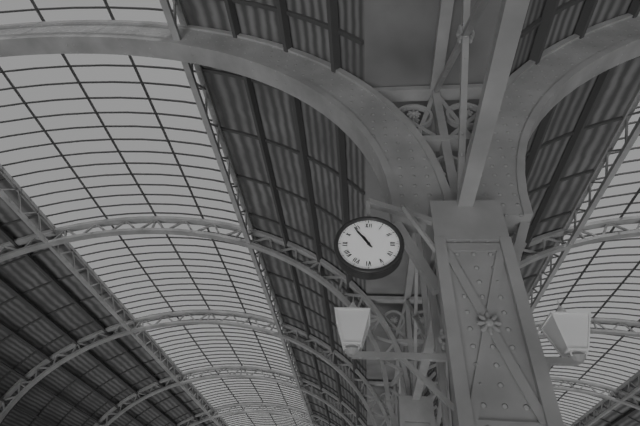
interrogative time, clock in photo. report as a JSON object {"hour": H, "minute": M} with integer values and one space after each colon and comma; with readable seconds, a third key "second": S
{"hour": 10, "minute": 54}
